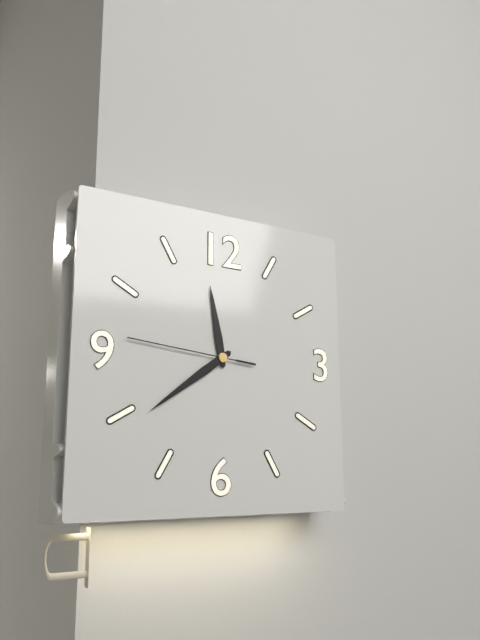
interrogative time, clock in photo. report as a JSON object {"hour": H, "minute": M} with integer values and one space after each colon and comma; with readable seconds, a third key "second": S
{"hour": 11, "minute": 39, "second": 46}
